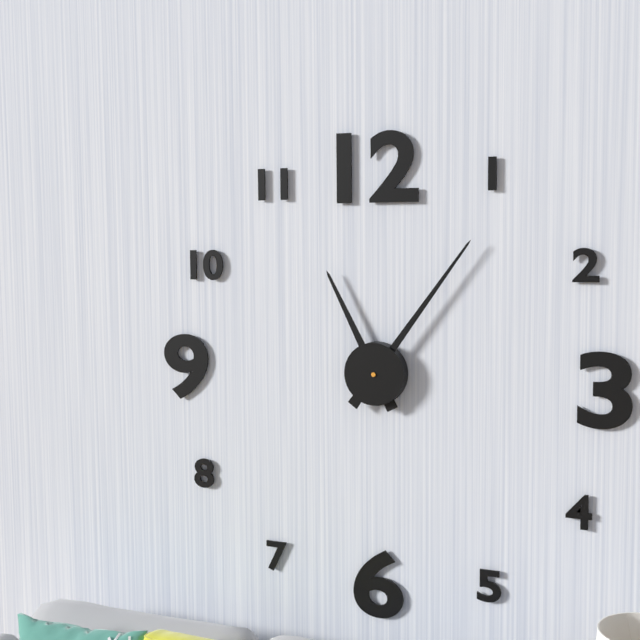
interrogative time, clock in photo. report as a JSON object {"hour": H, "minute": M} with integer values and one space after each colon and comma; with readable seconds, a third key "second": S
{"hour": 11, "minute": 6}
